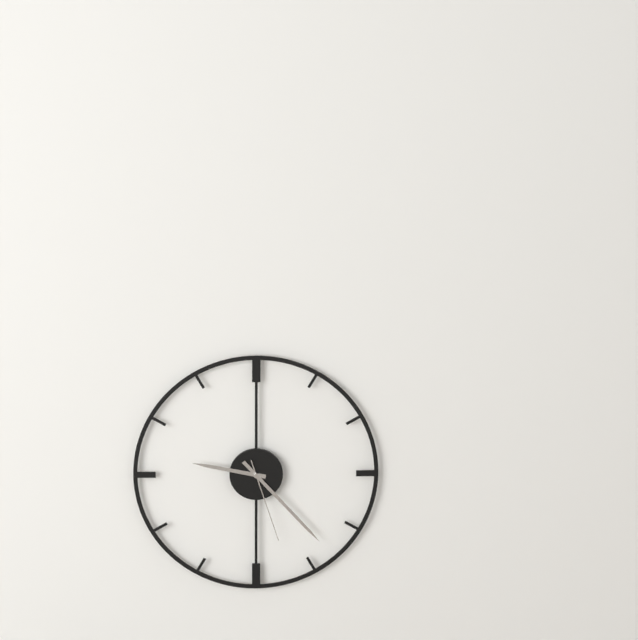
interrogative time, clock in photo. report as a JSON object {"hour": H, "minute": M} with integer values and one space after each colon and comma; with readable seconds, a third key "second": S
{"hour": 9, "minute": 23, "second": 27}
